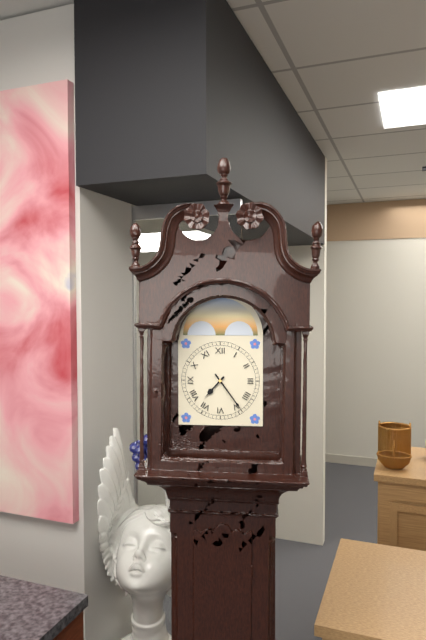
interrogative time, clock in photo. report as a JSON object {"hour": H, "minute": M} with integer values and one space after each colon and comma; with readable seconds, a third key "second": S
{"hour": 7, "minute": 24}
